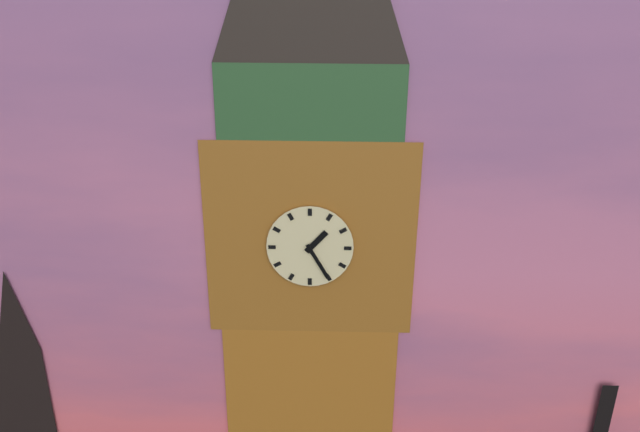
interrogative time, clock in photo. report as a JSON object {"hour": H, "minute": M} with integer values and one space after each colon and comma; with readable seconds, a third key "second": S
{"hour": 1, "minute": 25}
